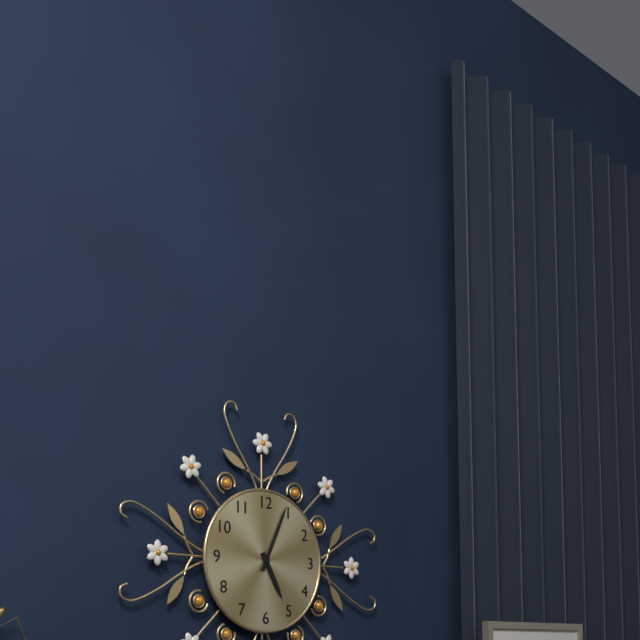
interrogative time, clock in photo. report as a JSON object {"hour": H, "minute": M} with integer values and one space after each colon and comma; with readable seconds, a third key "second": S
{"hour": 5, "minute": 4}
